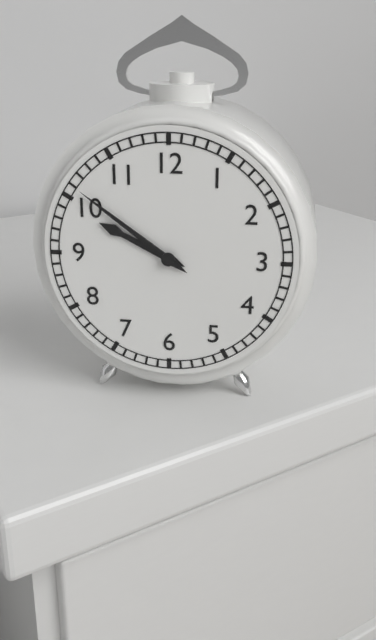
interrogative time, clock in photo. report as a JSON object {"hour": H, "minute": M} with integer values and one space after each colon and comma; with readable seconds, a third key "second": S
{"hour": 9, "minute": 51}
